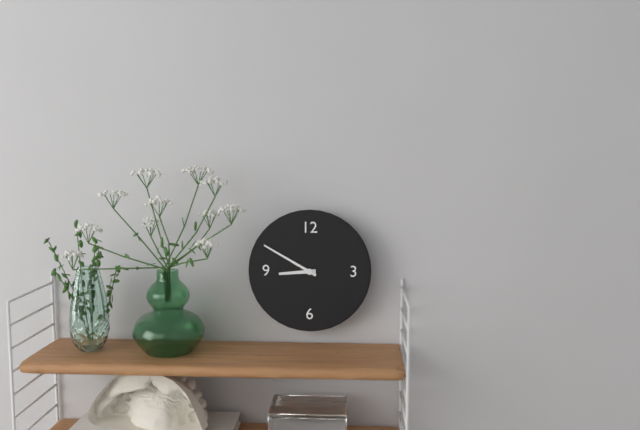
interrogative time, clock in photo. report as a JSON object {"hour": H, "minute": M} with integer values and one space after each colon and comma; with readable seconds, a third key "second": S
{"hour": 8, "minute": 50}
